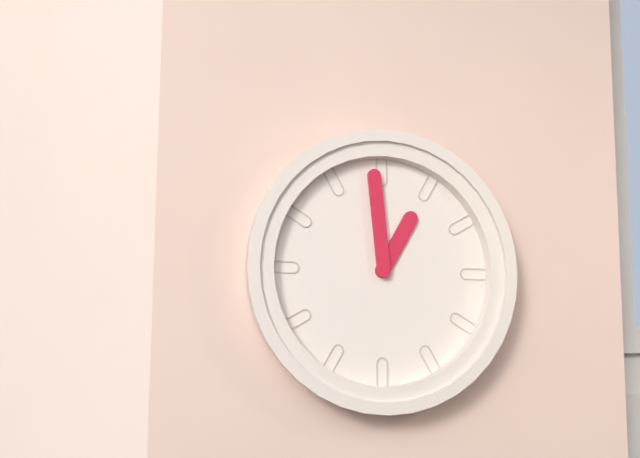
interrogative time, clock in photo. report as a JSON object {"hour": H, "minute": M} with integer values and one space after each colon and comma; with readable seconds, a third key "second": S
{"hour": 12, "minute": 59}
